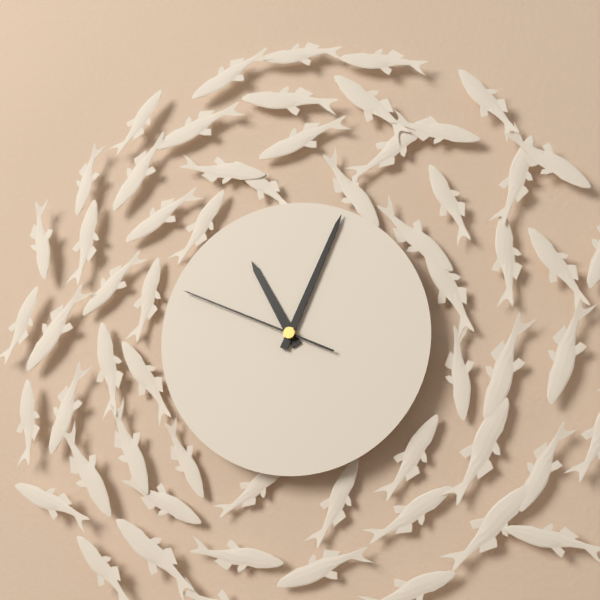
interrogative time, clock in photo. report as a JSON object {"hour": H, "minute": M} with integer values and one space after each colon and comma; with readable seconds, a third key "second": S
{"hour": 11, "minute": 4, "second": 49}
